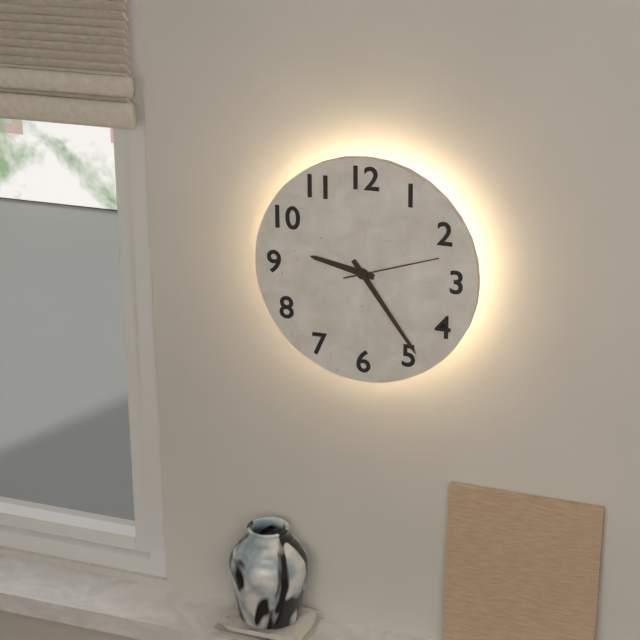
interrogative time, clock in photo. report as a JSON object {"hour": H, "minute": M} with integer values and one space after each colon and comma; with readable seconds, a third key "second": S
{"hour": 9, "minute": 24, "second": 12}
